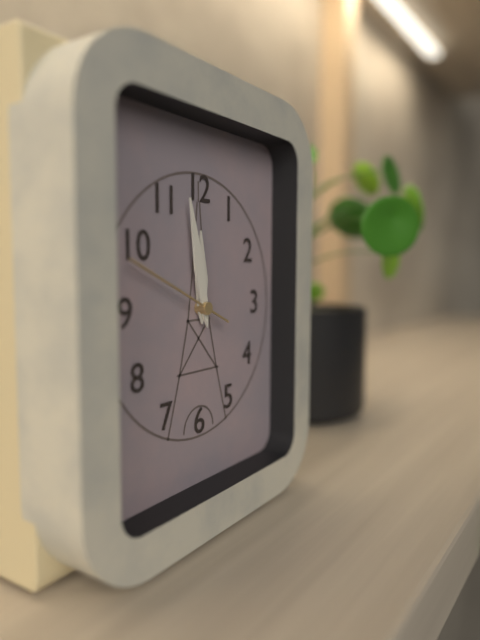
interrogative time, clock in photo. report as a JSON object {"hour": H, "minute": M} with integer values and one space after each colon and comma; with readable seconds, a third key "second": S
{"hour": 11, "minute": 58, "second": 49}
